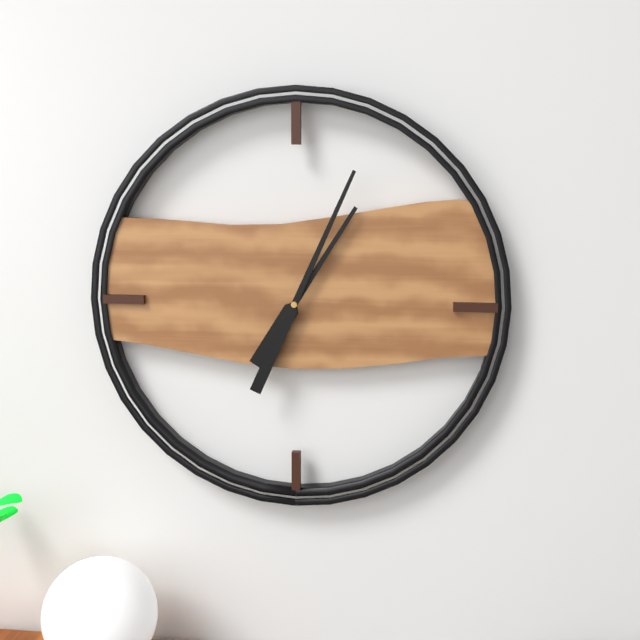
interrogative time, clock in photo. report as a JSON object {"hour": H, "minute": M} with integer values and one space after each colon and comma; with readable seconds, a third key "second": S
{"hour": 1, "minute": 4}
